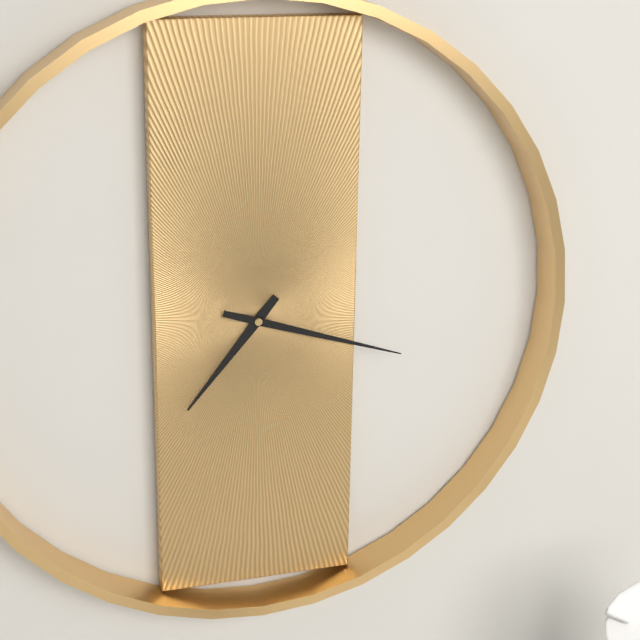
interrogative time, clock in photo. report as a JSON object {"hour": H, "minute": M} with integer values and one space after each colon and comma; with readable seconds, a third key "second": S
{"hour": 7, "minute": 18}
